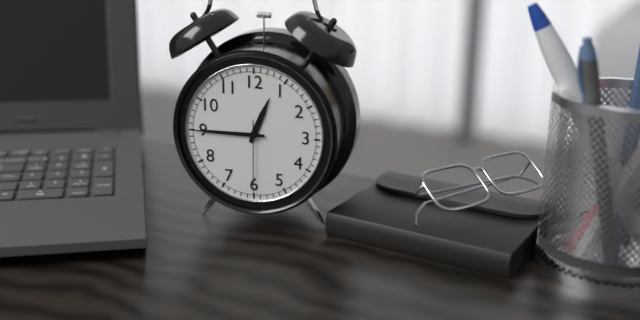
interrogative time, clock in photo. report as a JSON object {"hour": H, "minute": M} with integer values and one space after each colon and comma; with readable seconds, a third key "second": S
{"hour": 12, "minute": 45, "second": 30}
